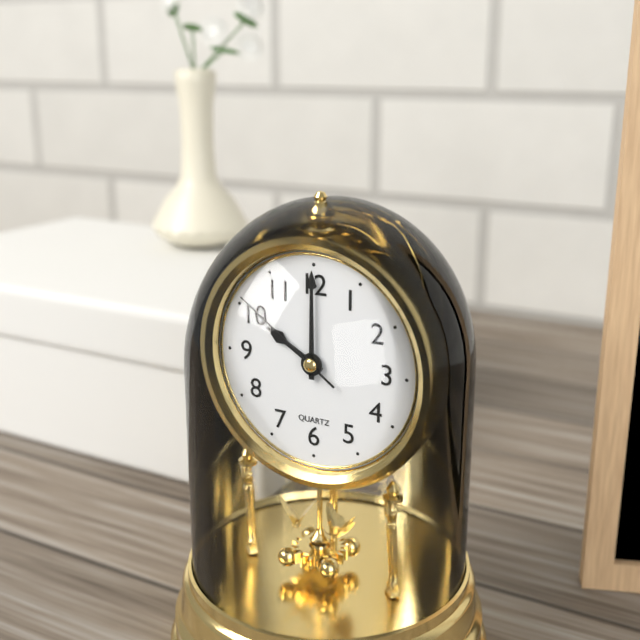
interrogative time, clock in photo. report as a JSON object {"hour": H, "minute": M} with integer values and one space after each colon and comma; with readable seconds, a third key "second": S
{"hour": 10, "minute": 0, "second": 51}
